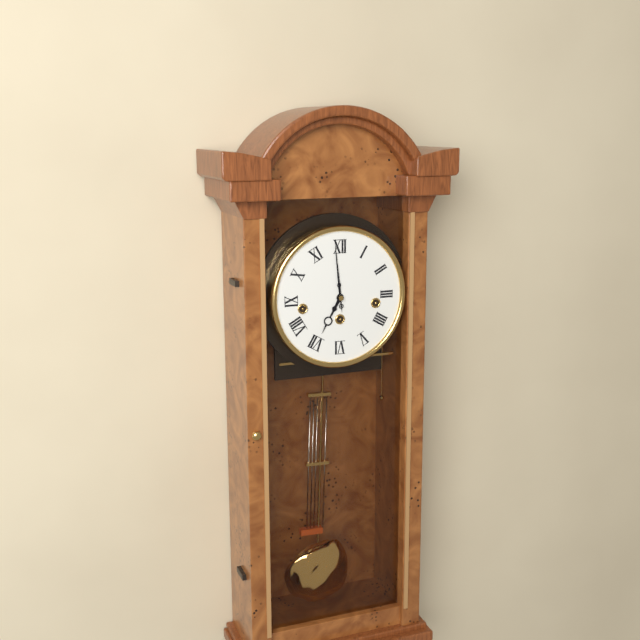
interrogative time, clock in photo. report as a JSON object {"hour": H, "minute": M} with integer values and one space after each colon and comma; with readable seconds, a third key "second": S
{"hour": 6, "minute": 59}
